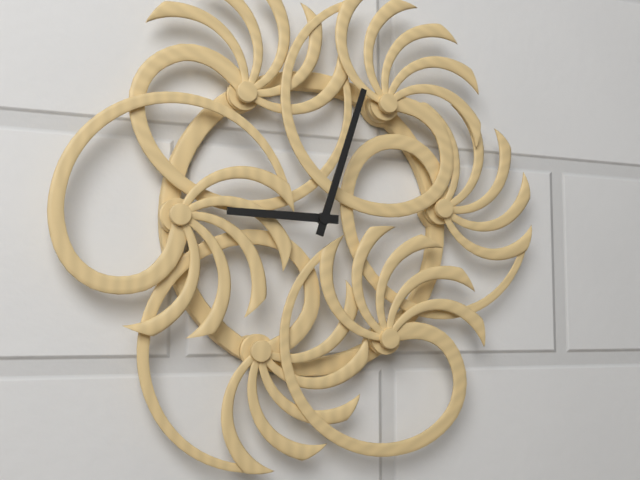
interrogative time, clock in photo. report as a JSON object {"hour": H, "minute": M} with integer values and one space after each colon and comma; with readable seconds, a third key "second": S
{"hour": 9, "minute": 3}
